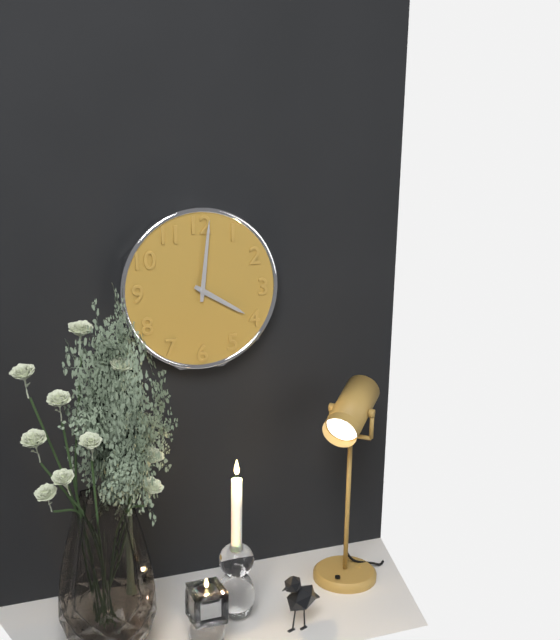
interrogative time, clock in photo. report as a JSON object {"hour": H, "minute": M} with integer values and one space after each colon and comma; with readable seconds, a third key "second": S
{"hour": 4, "minute": 1}
